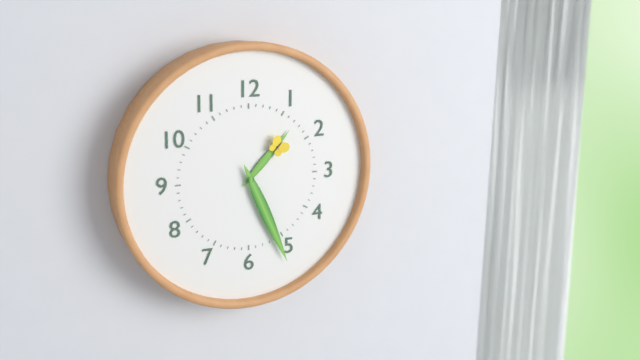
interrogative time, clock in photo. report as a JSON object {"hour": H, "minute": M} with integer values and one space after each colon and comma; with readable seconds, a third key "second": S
{"hour": 1, "minute": 26}
